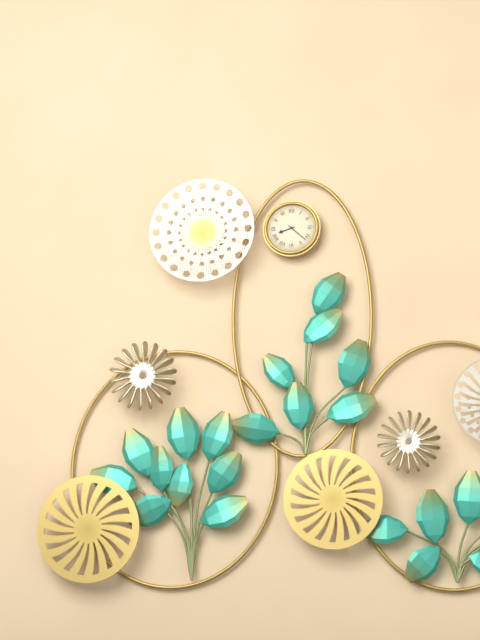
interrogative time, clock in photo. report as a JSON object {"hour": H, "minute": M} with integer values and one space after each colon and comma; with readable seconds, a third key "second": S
{"hour": 8, "minute": 22}
